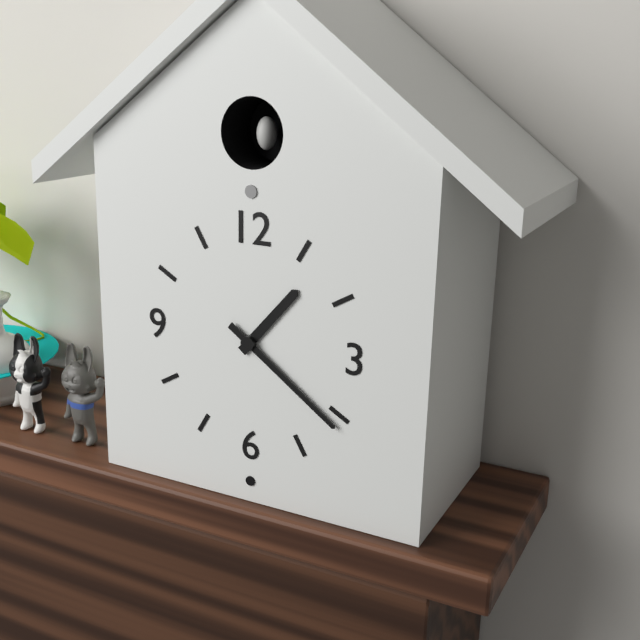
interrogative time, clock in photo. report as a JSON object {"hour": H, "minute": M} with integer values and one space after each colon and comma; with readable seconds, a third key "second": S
{"hour": 1, "minute": 21}
